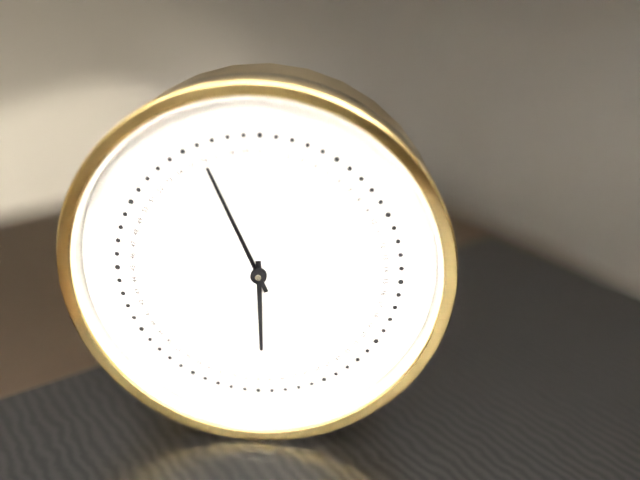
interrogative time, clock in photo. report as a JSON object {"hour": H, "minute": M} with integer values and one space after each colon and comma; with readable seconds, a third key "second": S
{"hour": 5, "minute": 56}
